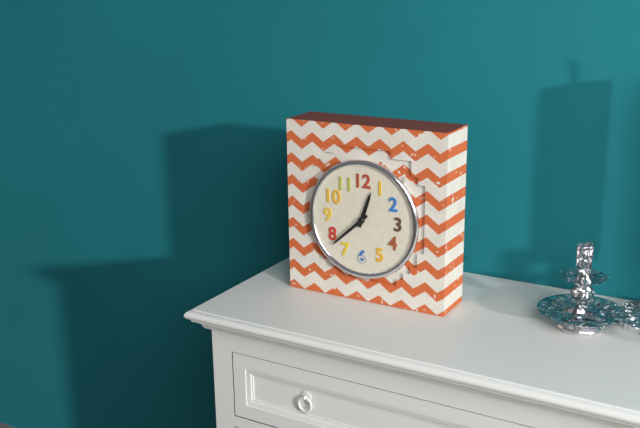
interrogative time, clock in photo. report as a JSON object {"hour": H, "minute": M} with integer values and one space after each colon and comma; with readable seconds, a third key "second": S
{"hour": 12, "minute": 38}
